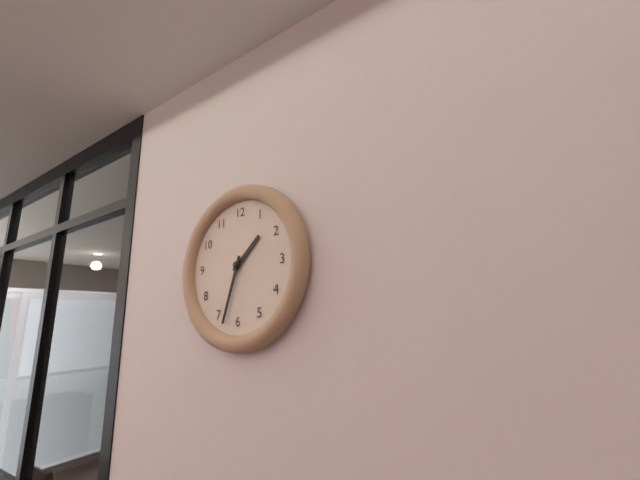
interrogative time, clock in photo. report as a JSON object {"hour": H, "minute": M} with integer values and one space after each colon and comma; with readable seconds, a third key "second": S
{"hour": 1, "minute": 33}
